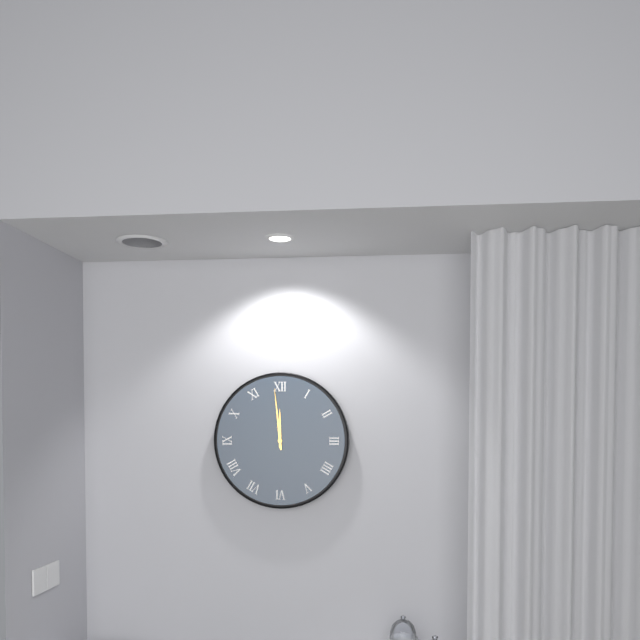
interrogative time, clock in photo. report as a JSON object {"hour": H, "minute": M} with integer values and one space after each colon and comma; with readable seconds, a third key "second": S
{"hour": 11, "minute": 59}
